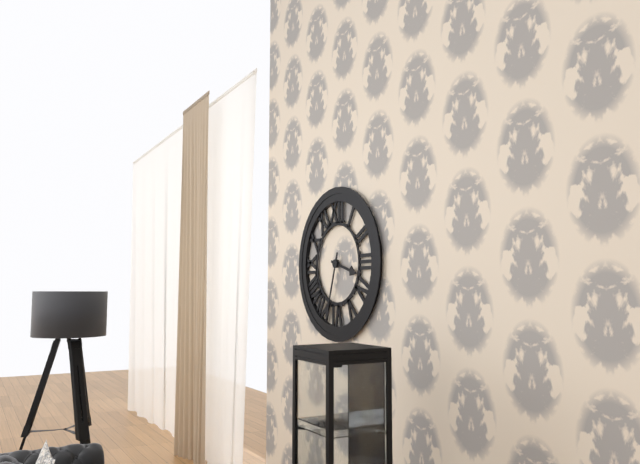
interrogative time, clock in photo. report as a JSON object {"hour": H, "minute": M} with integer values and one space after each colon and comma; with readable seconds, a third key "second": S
{"hour": 3, "minute": 33}
